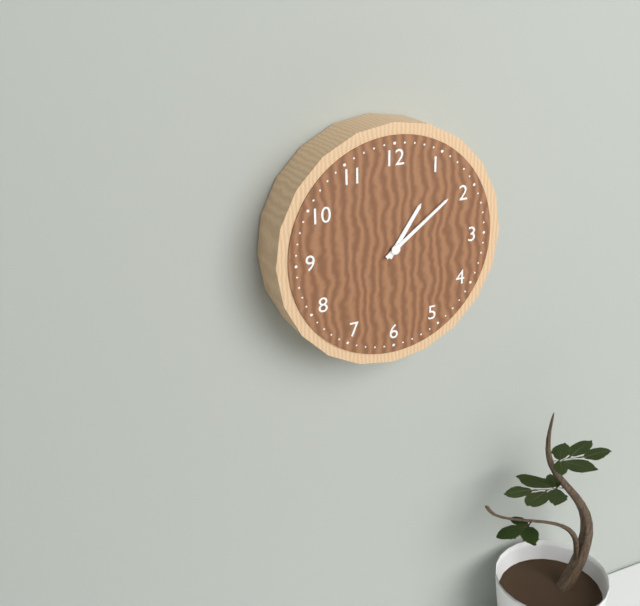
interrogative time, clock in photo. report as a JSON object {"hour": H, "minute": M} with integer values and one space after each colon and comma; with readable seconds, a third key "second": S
{"hour": 1, "minute": 9}
